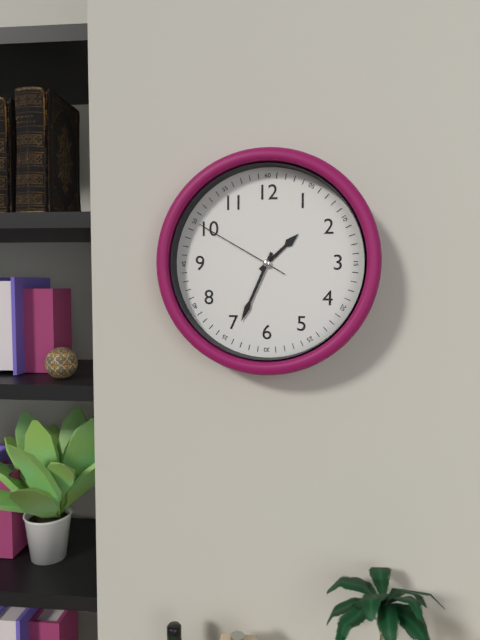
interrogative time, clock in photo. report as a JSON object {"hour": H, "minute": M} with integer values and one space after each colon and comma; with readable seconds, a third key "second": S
{"hour": 1, "minute": 34, "second": 50}
